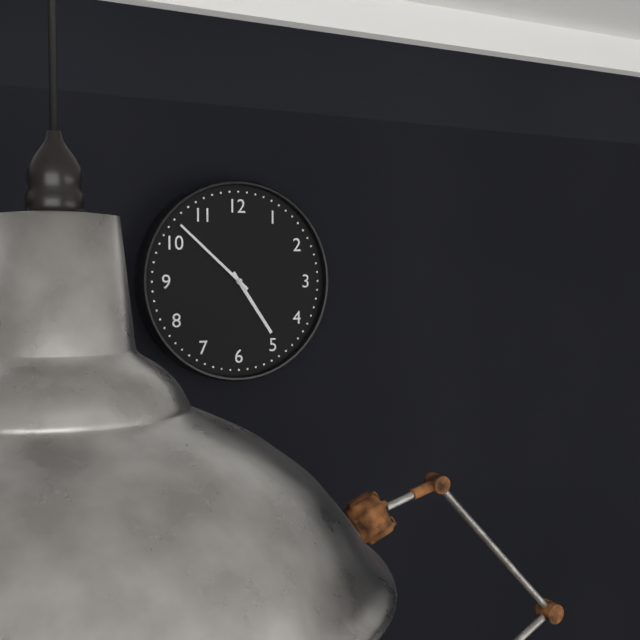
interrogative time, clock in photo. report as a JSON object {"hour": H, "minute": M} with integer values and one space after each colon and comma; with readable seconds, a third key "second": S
{"hour": 4, "minute": 52}
